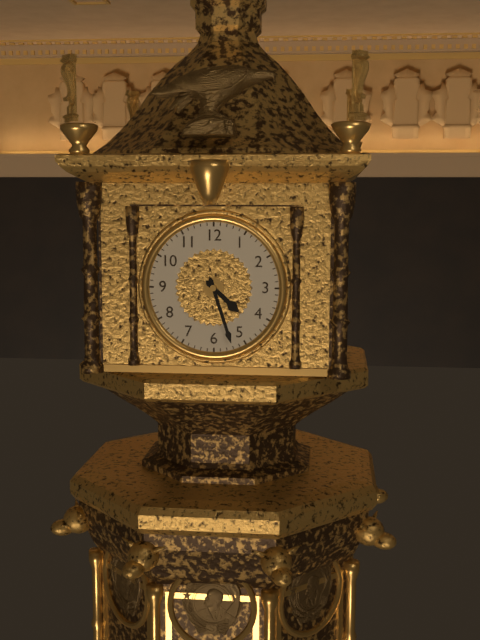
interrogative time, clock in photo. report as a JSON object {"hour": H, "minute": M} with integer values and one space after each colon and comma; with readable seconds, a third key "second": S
{"hour": 4, "minute": 27}
